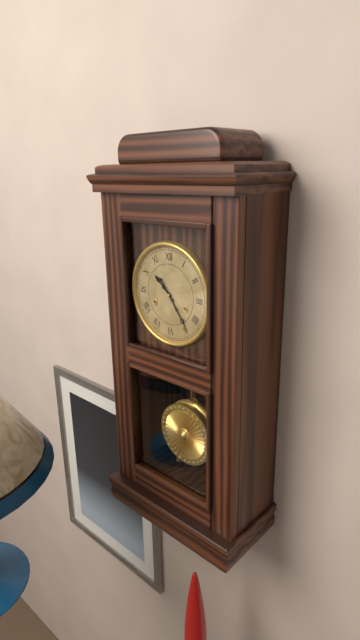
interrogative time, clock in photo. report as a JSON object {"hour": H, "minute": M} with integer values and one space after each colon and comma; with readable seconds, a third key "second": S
{"hour": 10, "minute": 24}
